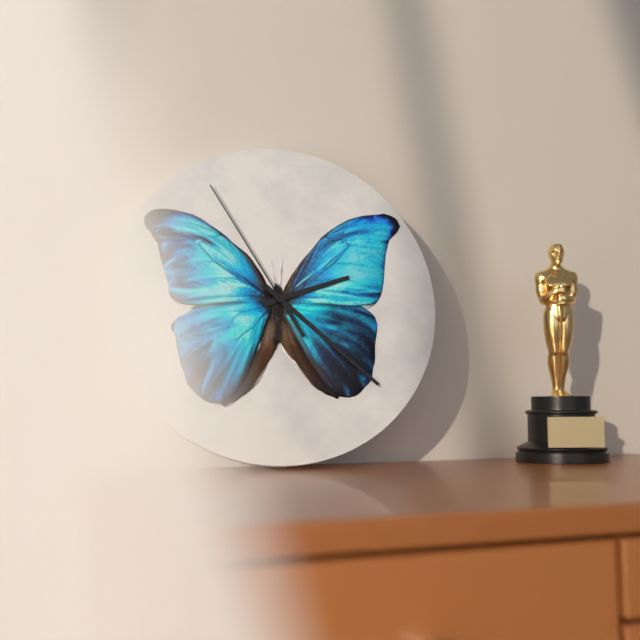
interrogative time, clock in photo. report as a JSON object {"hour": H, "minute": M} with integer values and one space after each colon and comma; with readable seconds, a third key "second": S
{"hour": 2, "minute": 22, "second": 55}
